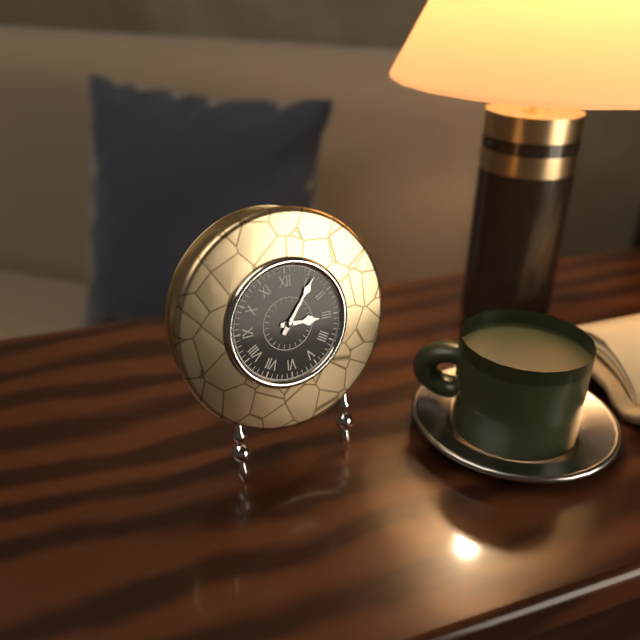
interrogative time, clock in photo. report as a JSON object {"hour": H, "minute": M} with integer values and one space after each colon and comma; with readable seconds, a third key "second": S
{"hour": 3, "minute": 6}
